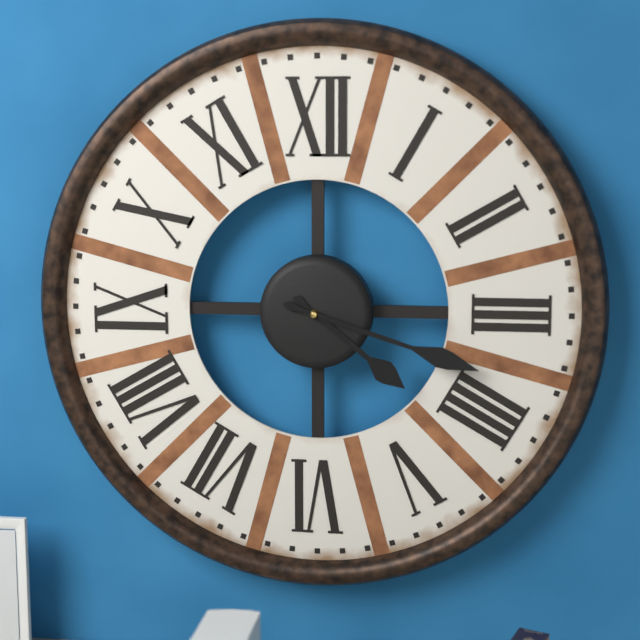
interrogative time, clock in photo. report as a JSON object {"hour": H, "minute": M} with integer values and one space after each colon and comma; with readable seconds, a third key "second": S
{"hour": 4, "minute": 18}
